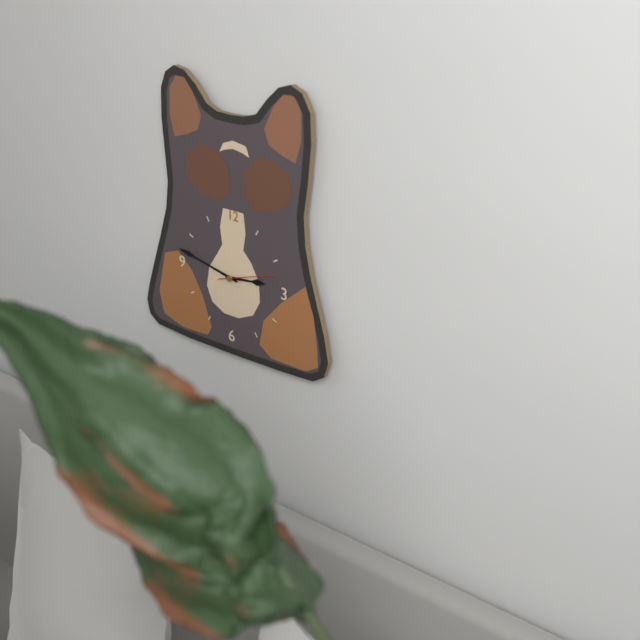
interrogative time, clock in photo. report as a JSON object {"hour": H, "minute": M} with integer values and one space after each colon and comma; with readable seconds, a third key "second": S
{"hour": 2, "minute": 47, "second": 12}
